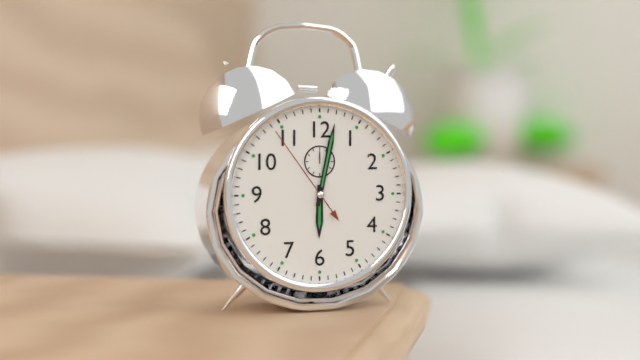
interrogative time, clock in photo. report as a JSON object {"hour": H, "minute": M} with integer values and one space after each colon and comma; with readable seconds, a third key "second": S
{"hour": 6, "minute": 2, "second": 54}
